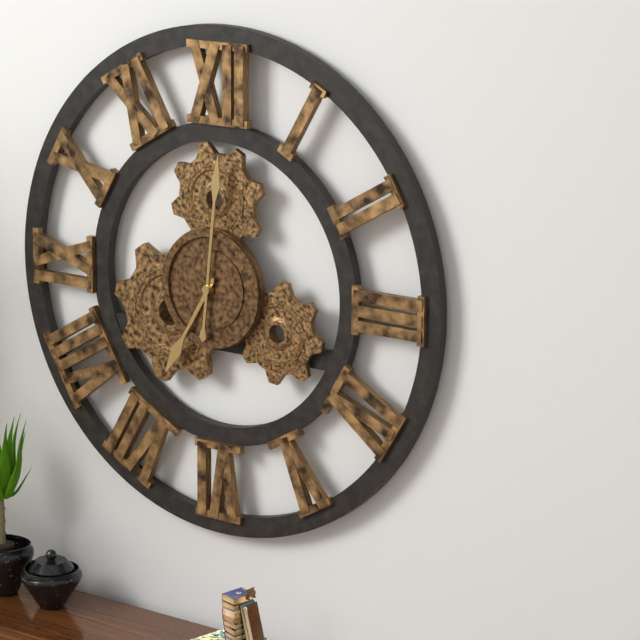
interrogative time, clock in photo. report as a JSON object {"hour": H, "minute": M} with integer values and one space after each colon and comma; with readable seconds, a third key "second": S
{"hour": 7, "minute": 1}
